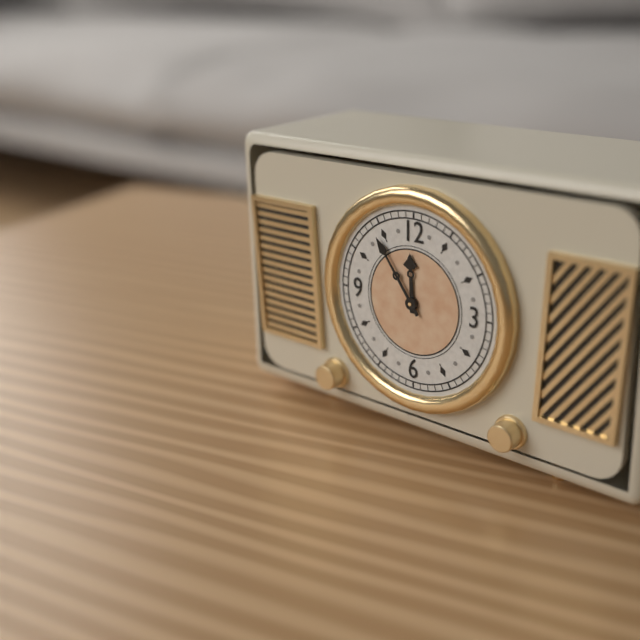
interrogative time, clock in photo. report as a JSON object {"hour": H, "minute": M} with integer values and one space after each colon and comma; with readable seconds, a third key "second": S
{"hour": 11, "minute": 54}
